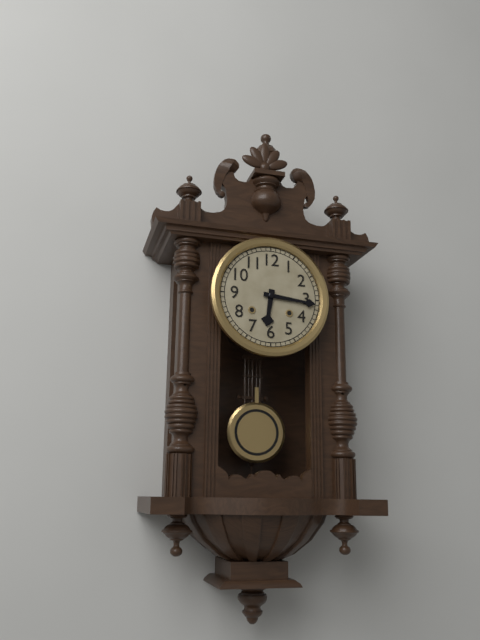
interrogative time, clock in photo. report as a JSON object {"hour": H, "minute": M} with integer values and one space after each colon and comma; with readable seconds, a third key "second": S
{"hour": 6, "minute": 16}
